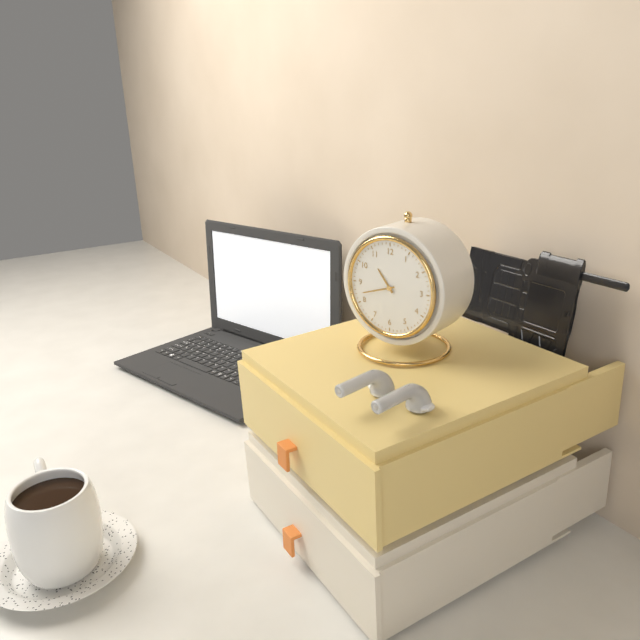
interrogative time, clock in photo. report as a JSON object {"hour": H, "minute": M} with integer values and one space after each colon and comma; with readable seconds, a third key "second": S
{"hour": 10, "minute": 42}
